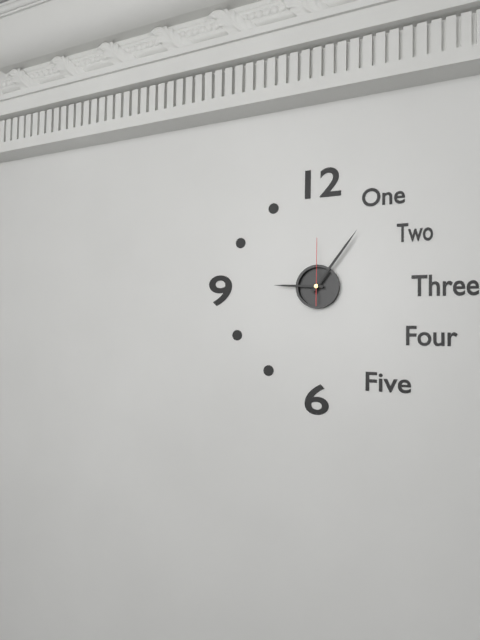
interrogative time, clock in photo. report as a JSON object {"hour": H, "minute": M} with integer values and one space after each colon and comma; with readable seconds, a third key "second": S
{"hour": 9, "minute": 6, "second": 0}
